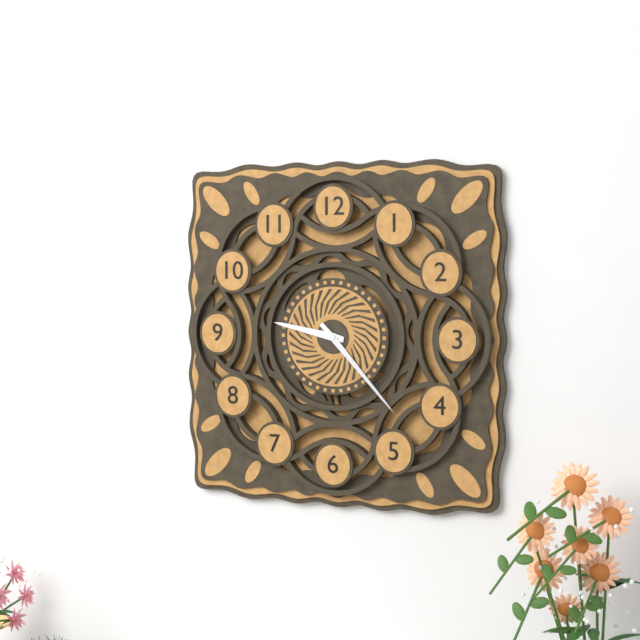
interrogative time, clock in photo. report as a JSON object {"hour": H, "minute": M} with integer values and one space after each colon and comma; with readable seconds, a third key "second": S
{"hour": 9, "minute": 23}
